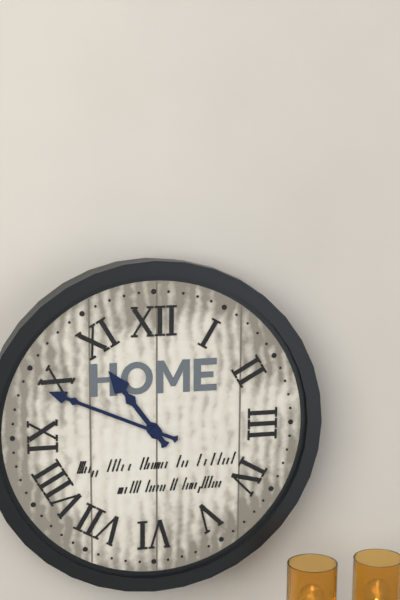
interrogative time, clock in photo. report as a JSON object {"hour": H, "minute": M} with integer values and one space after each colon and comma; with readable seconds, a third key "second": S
{"hour": 10, "minute": 49}
